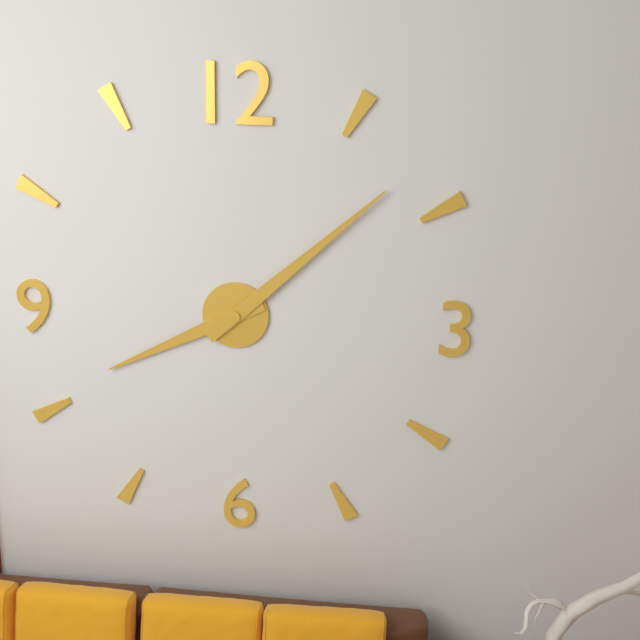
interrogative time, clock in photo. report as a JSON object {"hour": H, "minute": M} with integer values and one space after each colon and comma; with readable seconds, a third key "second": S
{"hour": 8, "minute": 8}
